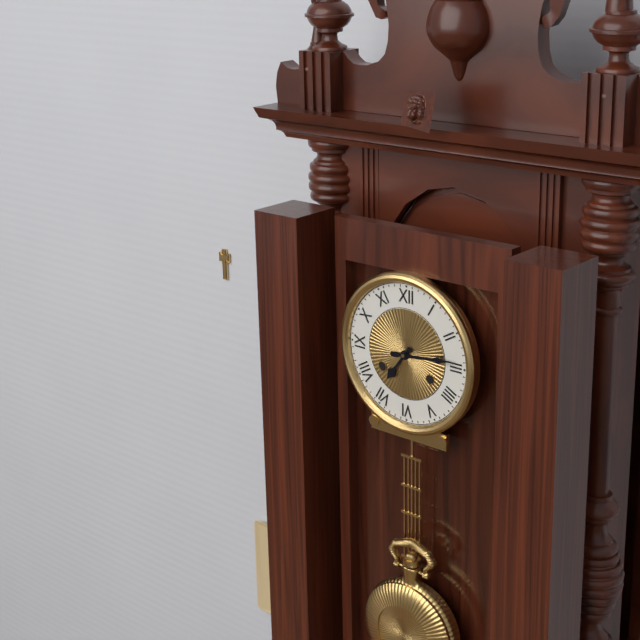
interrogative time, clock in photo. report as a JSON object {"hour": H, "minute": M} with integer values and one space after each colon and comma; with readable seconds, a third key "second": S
{"hour": 7, "minute": 14}
